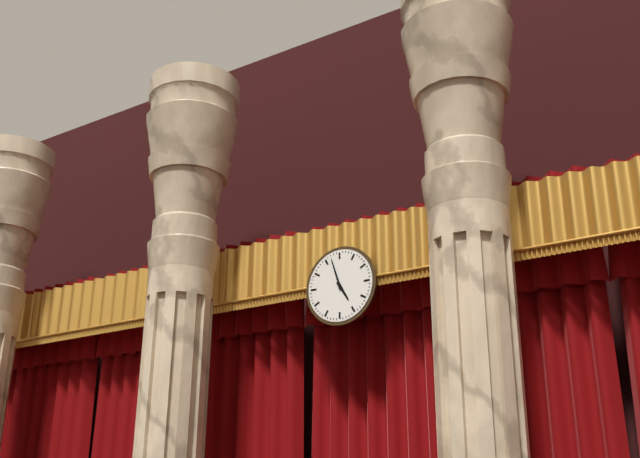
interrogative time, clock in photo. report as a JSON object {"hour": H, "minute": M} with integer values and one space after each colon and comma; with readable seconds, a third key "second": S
{"hour": 4, "minute": 57}
